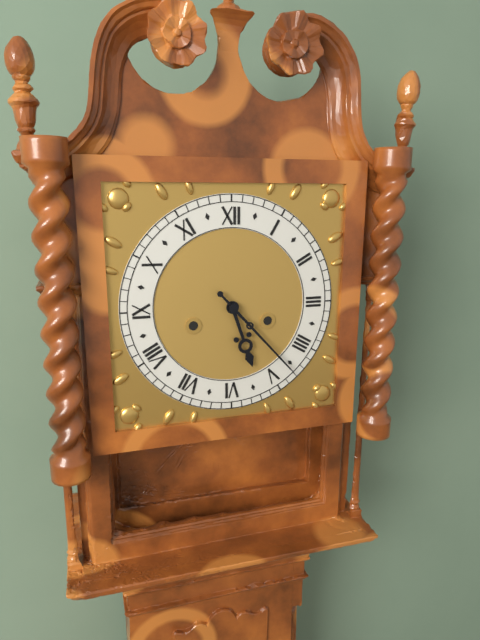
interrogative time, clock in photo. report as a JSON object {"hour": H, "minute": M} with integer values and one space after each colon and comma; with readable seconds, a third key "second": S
{"hour": 5, "minute": 23}
